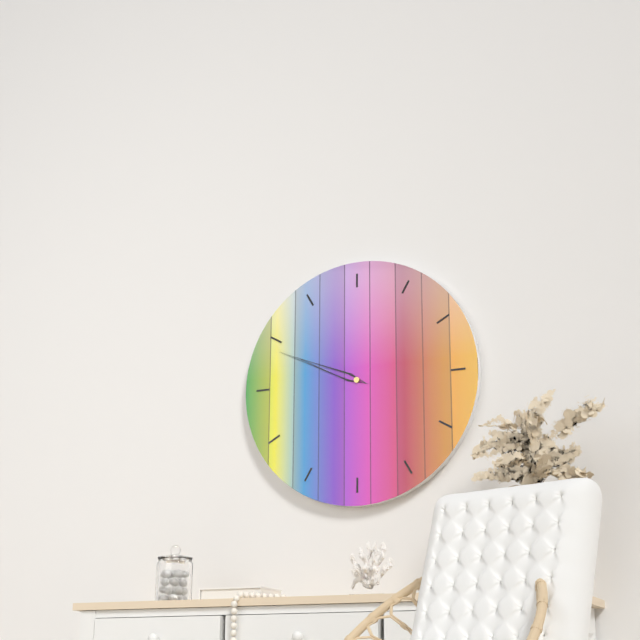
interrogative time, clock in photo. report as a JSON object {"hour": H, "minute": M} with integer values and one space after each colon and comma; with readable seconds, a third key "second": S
{"hour": 9, "minute": 49}
